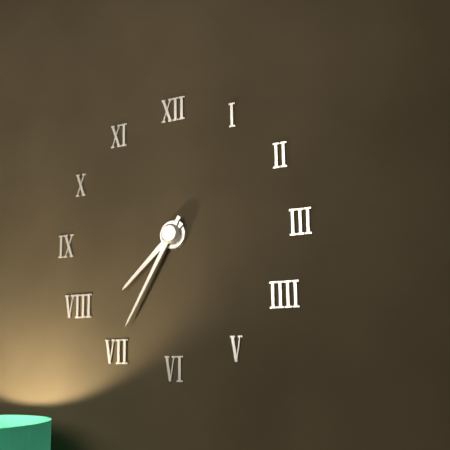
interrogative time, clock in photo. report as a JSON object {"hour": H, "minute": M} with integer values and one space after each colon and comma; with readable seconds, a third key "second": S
{"hour": 7, "minute": 35}
